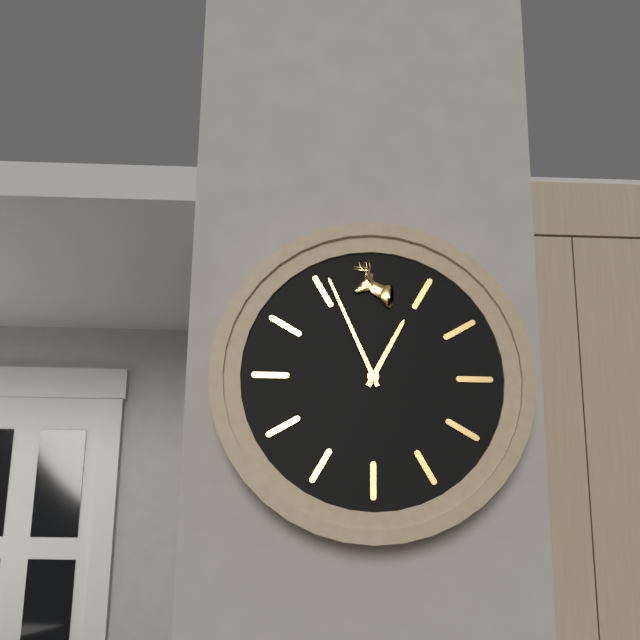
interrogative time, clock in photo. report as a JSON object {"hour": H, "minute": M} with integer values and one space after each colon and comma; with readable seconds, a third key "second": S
{"hour": 12, "minute": 56}
